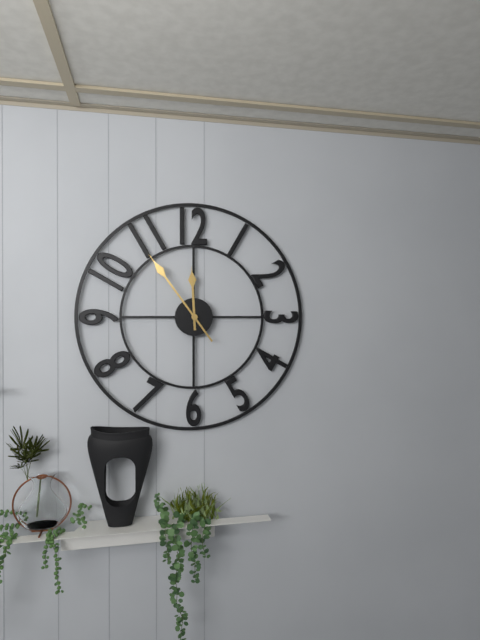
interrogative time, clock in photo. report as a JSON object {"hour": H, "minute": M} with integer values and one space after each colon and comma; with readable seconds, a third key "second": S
{"hour": 11, "minute": 54}
